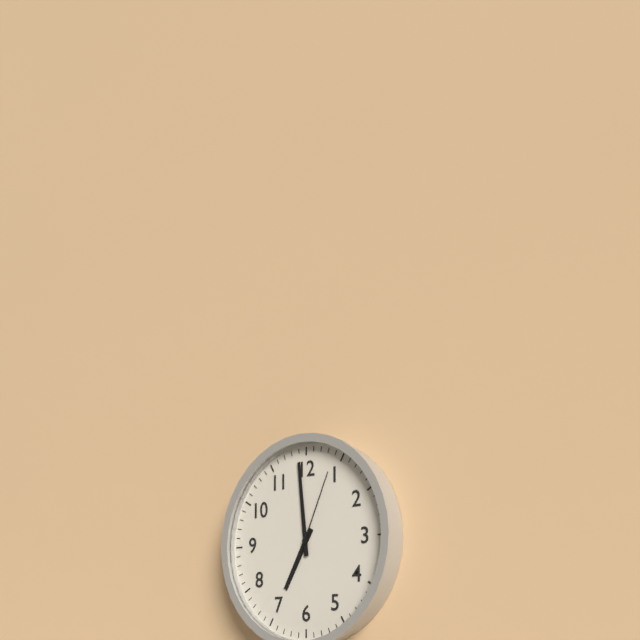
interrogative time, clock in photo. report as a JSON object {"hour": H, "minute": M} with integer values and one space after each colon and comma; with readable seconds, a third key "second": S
{"hour": 6, "minute": 59, "second": 4}
